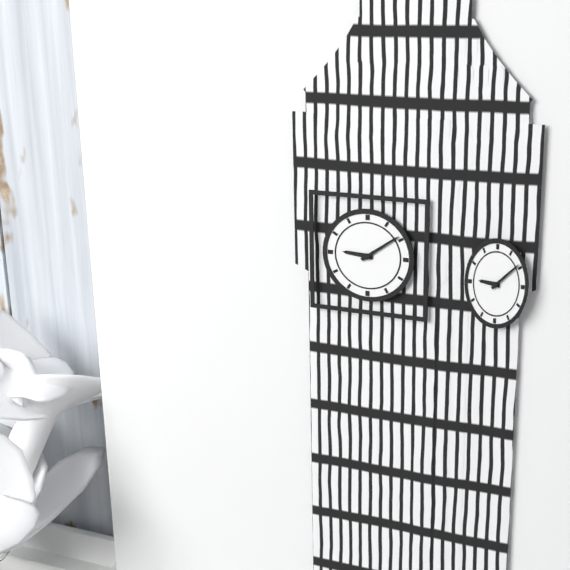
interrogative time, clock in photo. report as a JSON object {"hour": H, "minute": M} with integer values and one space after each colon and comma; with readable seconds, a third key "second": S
{"hour": 9, "minute": 9}
